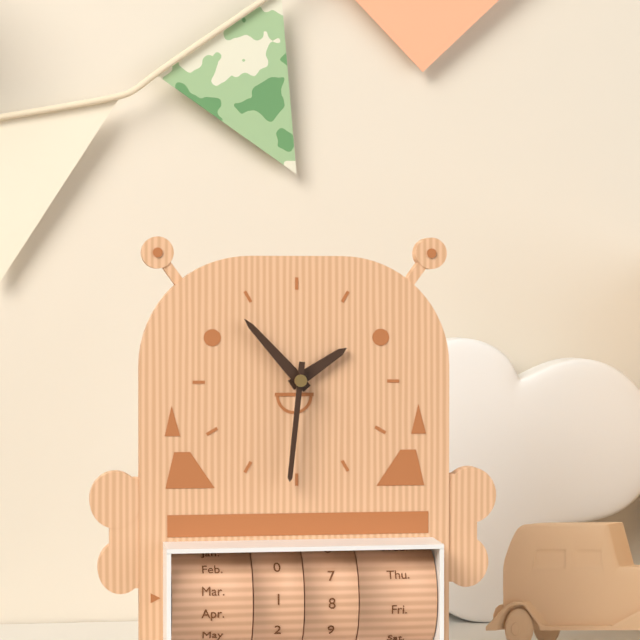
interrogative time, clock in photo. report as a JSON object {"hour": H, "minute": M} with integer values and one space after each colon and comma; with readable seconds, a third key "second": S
{"hour": 1, "minute": 53, "second": 31}
